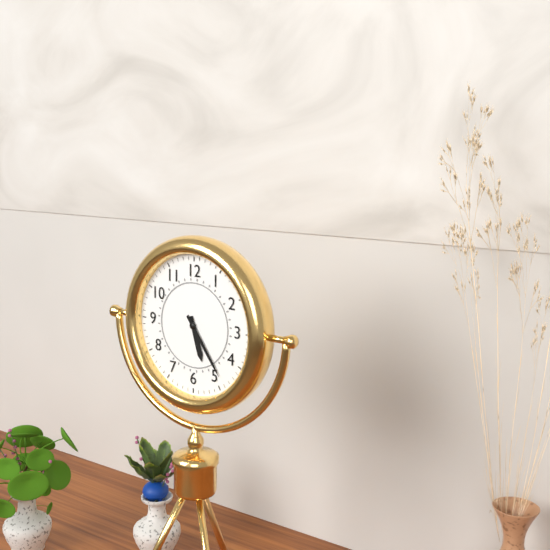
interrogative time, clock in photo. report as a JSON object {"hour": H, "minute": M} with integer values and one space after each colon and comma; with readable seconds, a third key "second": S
{"hour": 5, "minute": 24}
